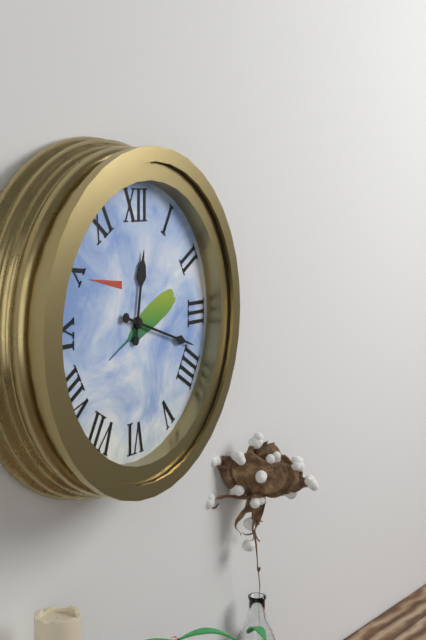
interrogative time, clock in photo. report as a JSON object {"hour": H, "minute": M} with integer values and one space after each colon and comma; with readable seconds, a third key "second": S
{"hour": 12, "minute": 18}
